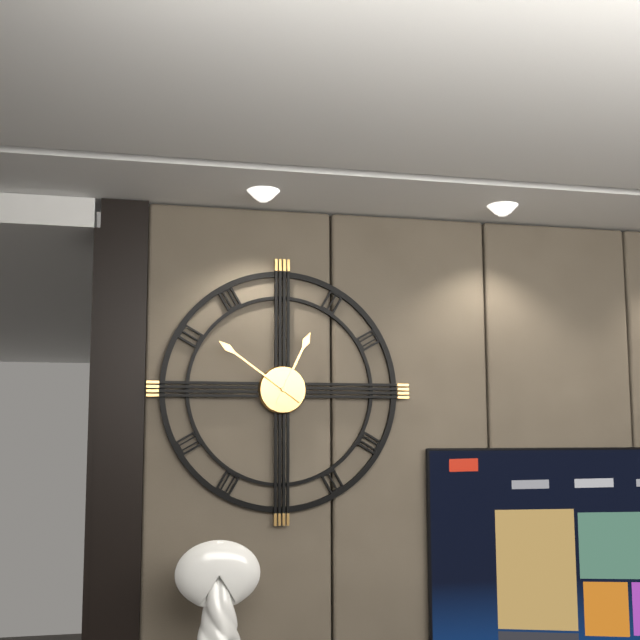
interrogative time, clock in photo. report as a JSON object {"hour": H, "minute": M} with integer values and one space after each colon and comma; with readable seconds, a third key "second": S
{"hour": 12, "minute": 51}
